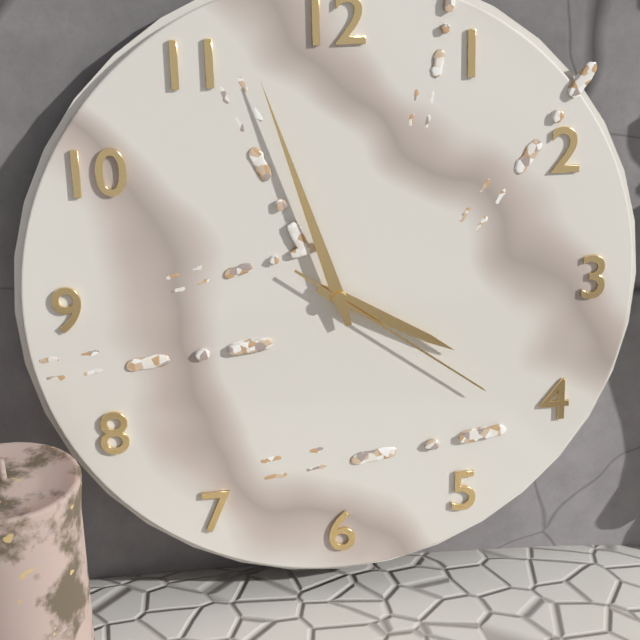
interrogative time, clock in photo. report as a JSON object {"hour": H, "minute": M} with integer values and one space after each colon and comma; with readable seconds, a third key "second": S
{"hour": 3, "minute": 57, "second": 21}
